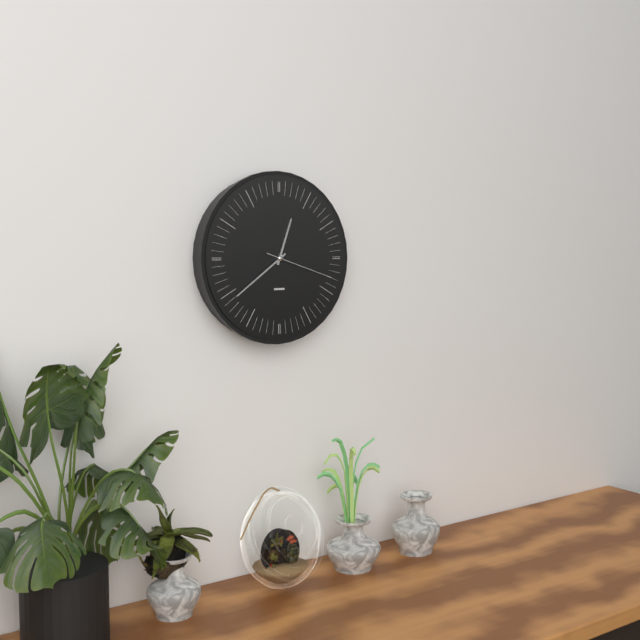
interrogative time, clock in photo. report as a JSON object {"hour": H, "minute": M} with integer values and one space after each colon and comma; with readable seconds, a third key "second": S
{"hour": 12, "minute": 39, "second": 18}
